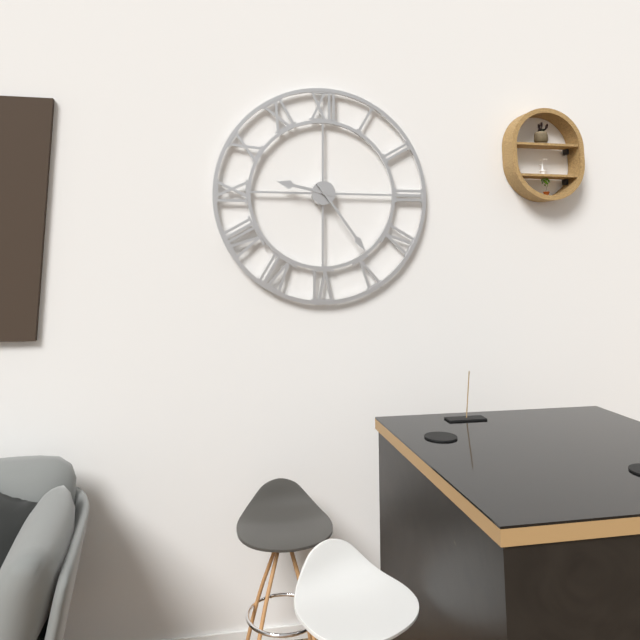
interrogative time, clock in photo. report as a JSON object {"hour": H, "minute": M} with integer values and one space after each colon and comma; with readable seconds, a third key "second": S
{"hour": 9, "minute": 24}
